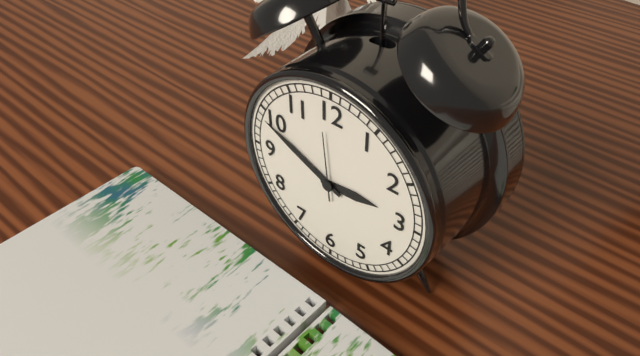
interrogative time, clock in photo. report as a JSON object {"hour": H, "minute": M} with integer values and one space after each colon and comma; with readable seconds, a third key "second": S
{"hour": 2, "minute": 49, "second": 59}
